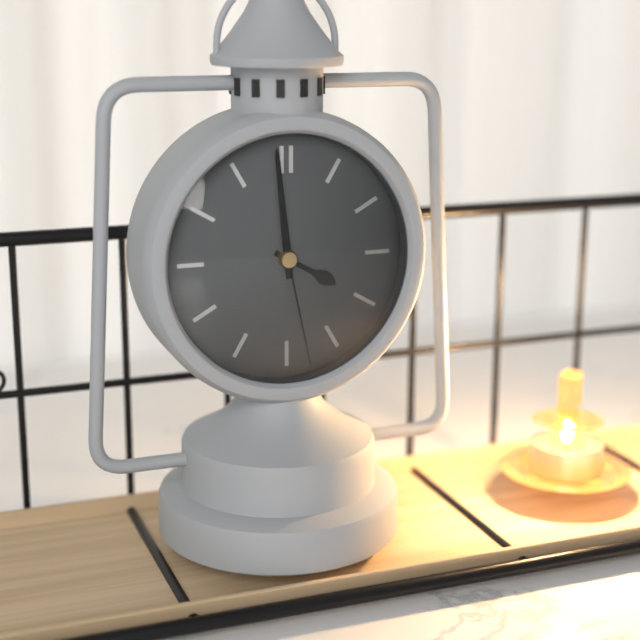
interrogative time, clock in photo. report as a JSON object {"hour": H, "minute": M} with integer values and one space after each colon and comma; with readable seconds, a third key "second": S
{"hour": 3, "minute": 59, "second": 28}
